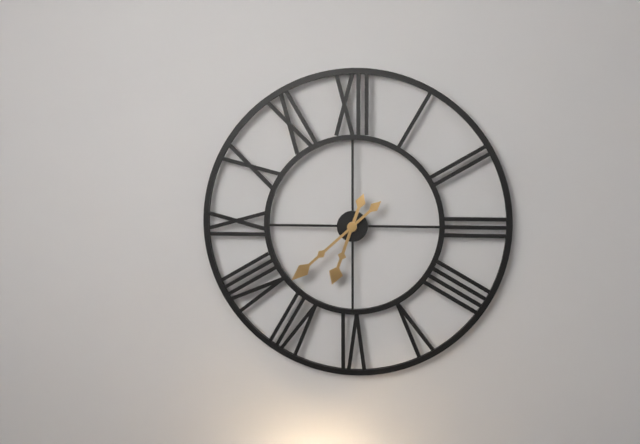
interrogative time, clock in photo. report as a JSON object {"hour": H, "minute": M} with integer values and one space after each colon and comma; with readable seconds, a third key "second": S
{"hour": 6, "minute": 38}
